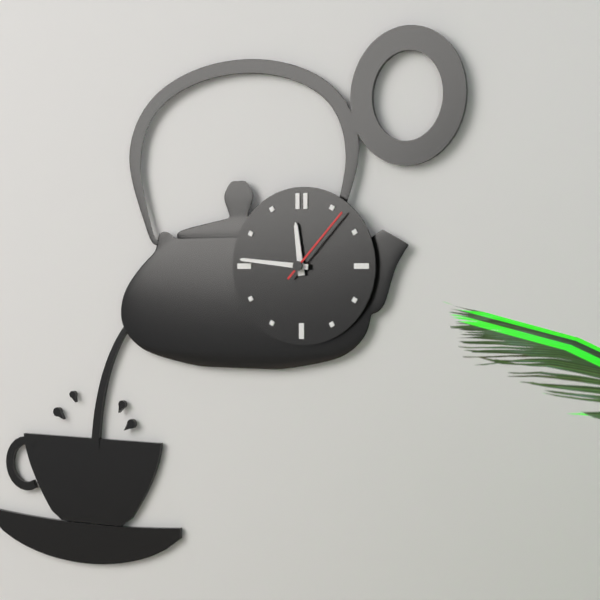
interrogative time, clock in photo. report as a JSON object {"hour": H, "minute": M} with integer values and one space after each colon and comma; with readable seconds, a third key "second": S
{"hour": 11, "minute": 46, "second": 7}
